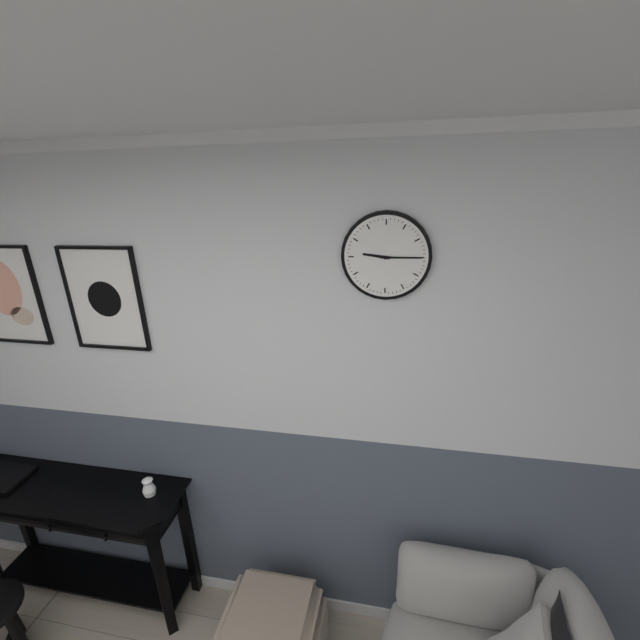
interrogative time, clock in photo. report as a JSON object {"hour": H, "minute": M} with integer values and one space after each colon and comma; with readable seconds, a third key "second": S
{"hour": 9, "minute": 15}
